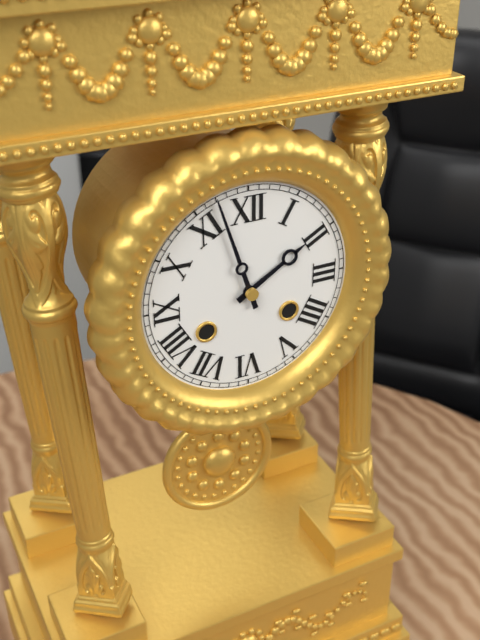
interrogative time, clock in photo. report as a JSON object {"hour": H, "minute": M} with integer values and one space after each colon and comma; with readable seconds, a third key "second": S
{"hour": 1, "minute": 57}
